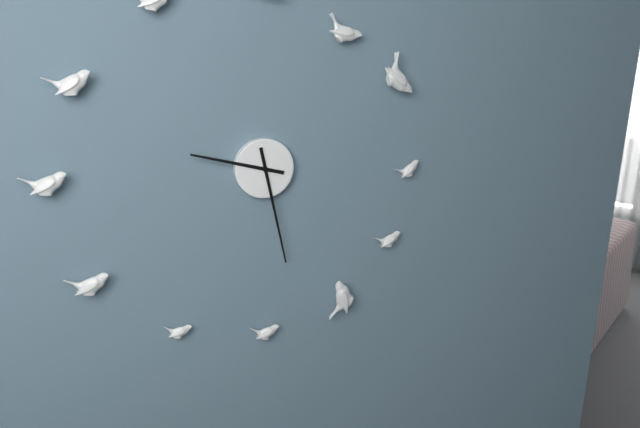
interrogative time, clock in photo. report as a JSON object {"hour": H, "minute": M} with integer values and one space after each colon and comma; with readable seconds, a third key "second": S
{"hour": 9, "minute": 28}
